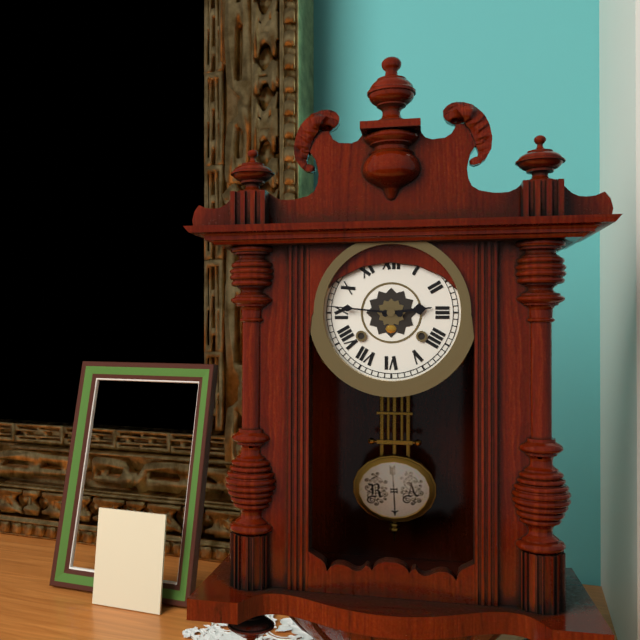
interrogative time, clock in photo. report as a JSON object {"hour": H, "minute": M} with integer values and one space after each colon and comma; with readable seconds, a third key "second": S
{"hour": 2, "minute": 46}
